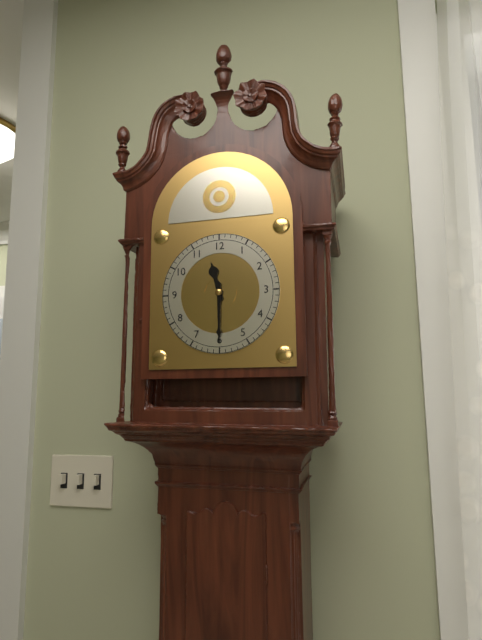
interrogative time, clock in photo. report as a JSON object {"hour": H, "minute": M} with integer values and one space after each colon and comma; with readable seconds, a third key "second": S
{"hour": 11, "minute": 30}
